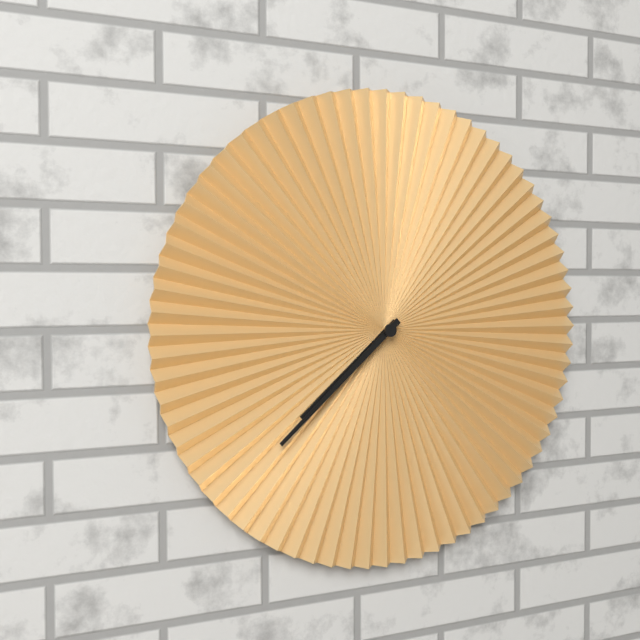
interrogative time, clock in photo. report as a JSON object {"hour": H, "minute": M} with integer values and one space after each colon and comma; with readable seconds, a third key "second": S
{"hour": 7, "minute": 38}
